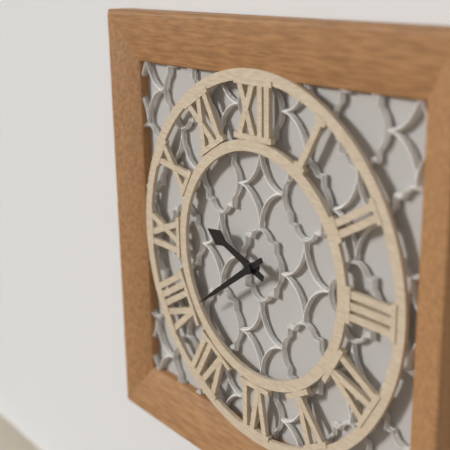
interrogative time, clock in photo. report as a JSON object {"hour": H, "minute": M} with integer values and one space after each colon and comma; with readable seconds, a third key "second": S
{"hour": 9, "minute": 39}
